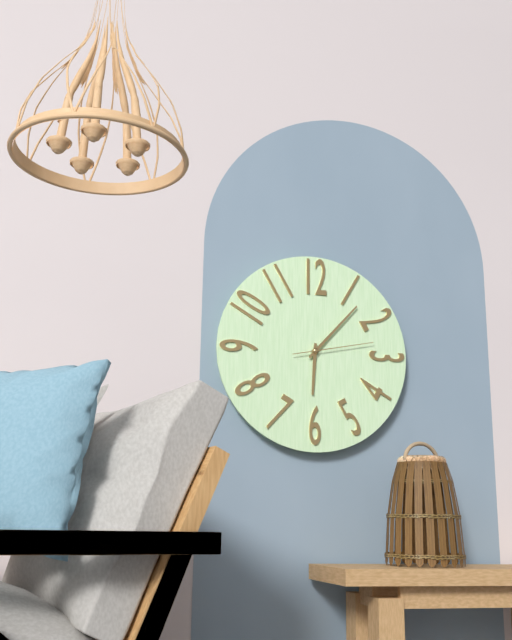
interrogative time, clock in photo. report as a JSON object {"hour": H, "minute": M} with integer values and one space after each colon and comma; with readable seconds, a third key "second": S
{"hour": 6, "minute": 7, "second": 13}
